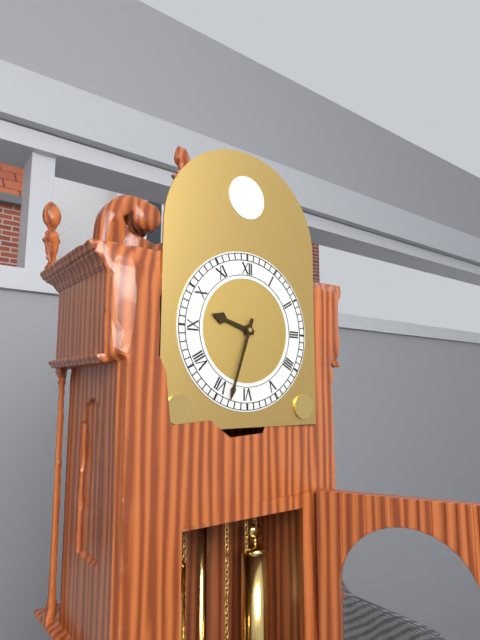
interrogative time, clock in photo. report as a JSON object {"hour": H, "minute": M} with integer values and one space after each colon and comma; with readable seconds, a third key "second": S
{"hour": 9, "minute": 33}
